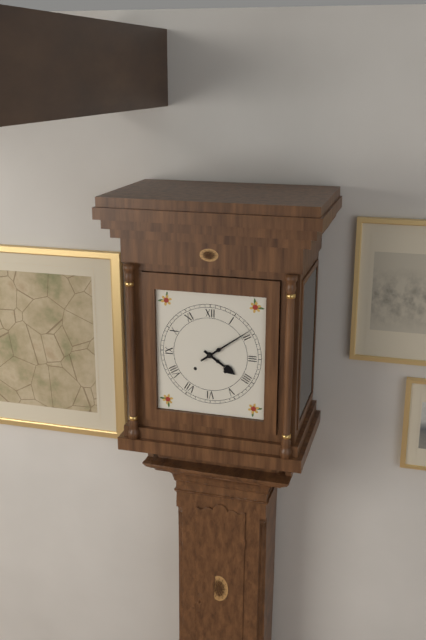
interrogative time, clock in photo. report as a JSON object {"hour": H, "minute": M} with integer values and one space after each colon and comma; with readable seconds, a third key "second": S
{"hour": 4, "minute": 9}
